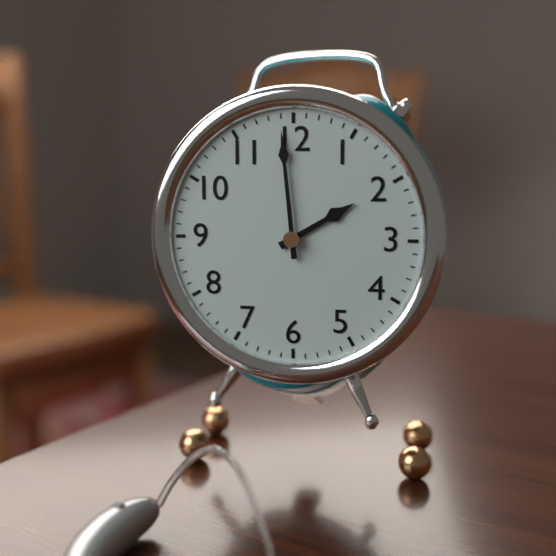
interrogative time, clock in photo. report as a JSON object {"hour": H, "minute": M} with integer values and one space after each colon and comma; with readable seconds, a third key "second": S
{"hour": 1, "minute": 59}
